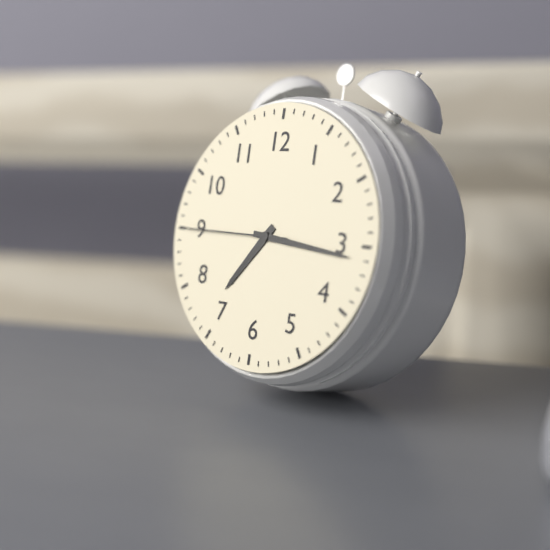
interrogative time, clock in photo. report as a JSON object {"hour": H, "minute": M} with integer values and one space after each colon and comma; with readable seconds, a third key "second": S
{"hour": 7, "minute": 16, "second": 45}
